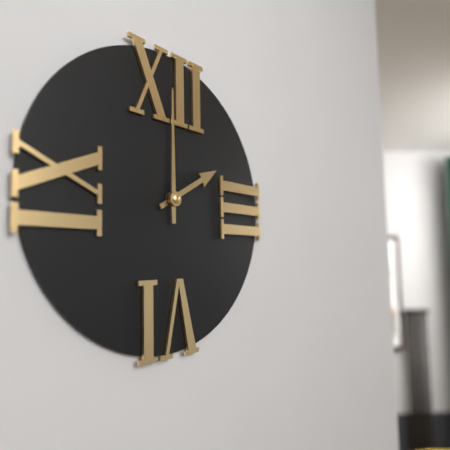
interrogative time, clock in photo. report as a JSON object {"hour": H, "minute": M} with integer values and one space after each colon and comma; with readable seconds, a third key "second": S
{"hour": 2, "minute": 0}
